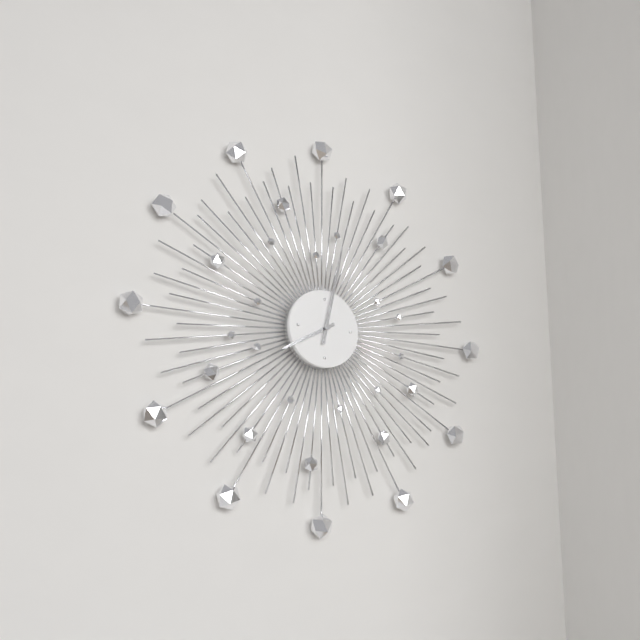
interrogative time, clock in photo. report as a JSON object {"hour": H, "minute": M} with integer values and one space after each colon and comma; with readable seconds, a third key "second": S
{"hour": 8, "minute": 2}
